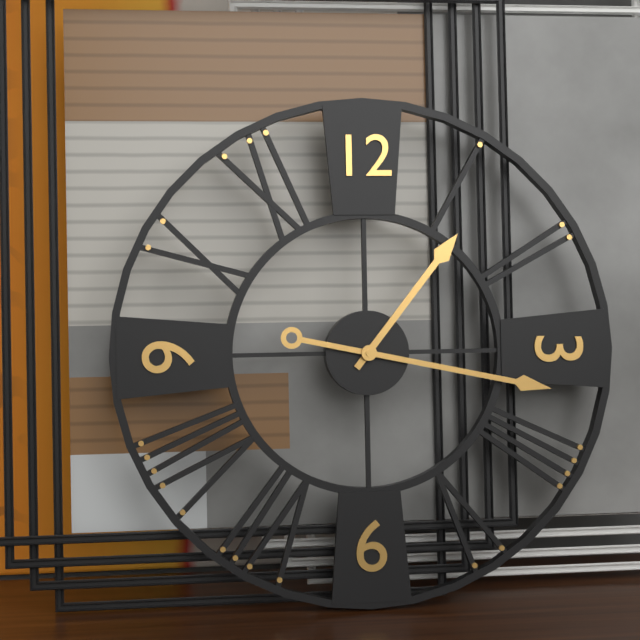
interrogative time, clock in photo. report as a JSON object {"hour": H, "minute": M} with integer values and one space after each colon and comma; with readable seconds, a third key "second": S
{"hour": 1, "minute": 17}
